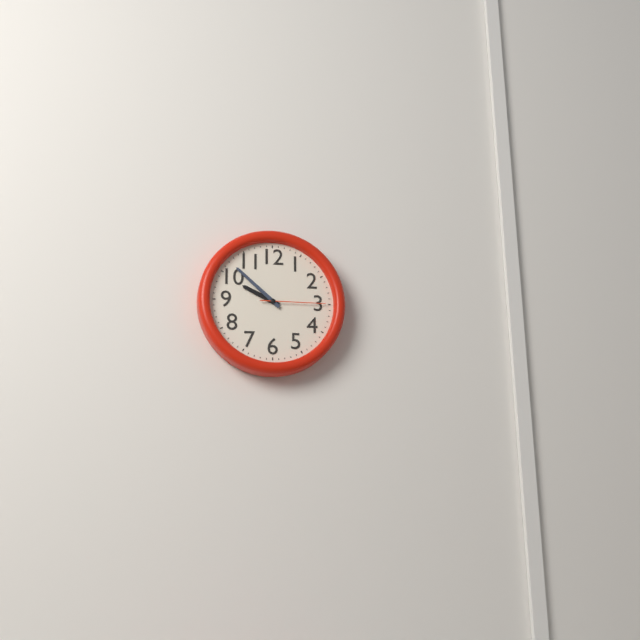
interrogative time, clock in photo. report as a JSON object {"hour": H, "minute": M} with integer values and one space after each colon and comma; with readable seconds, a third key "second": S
{"hour": 9, "minute": 52, "second": 15}
